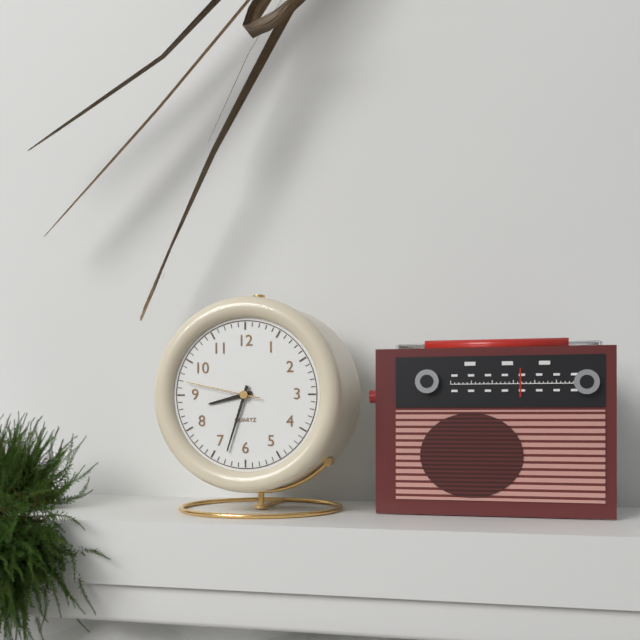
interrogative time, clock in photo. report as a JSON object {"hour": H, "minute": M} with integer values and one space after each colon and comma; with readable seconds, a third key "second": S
{"hour": 8, "minute": 33, "second": 47}
